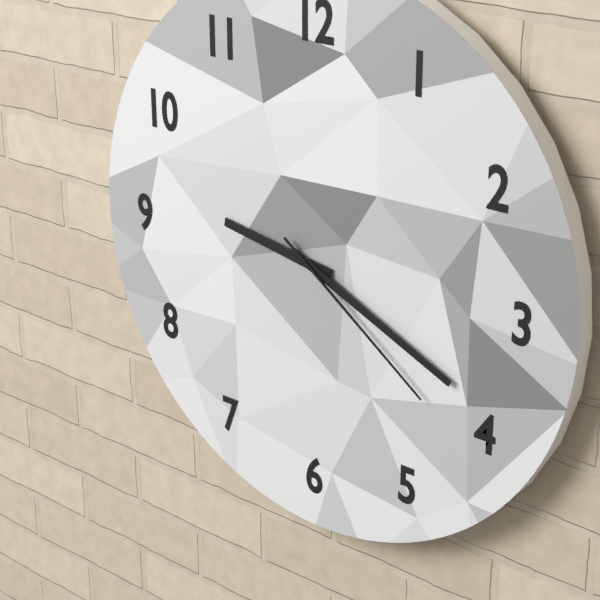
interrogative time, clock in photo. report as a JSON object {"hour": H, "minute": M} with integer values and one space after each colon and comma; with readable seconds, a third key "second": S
{"hour": 9, "minute": 19, "second": 21}
